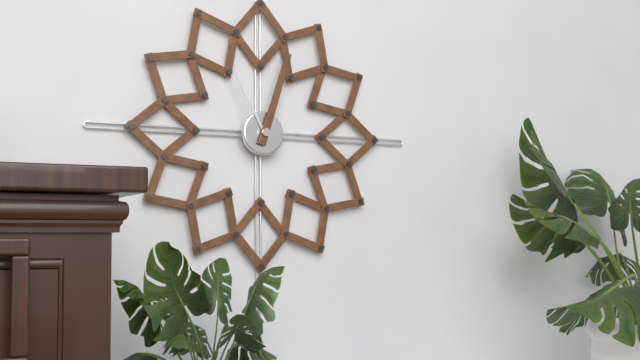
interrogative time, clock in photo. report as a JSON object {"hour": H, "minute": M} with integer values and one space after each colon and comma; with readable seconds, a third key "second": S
{"hour": 11, "minute": 3}
